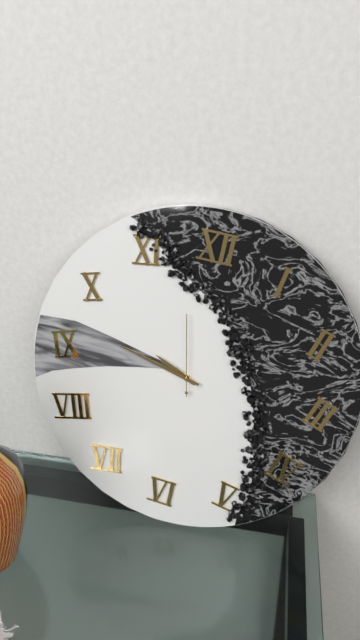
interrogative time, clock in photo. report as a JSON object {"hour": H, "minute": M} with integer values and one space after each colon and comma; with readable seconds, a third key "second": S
{"hour": 9, "minute": 47, "second": 58}
